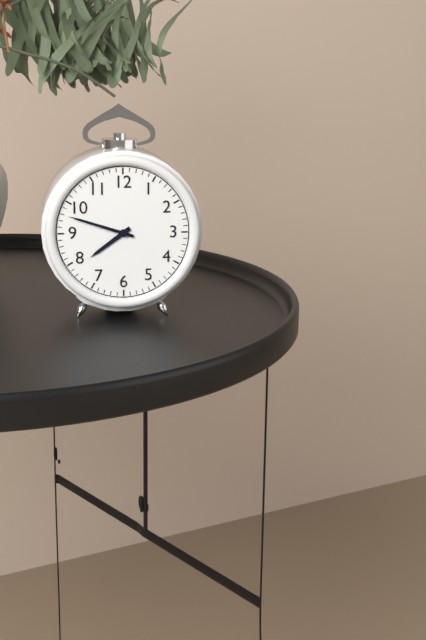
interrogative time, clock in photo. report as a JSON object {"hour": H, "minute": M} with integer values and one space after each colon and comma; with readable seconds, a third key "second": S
{"hour": 7, "minute": 48}
